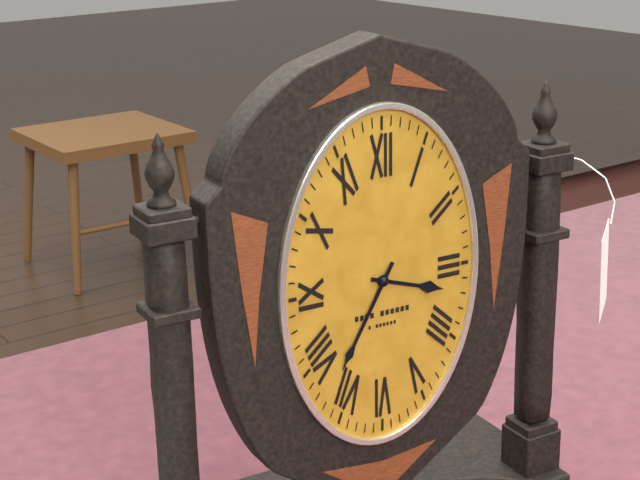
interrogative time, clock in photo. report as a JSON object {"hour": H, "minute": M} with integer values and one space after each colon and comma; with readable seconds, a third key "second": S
{"hour": 3, "minute": 35}
